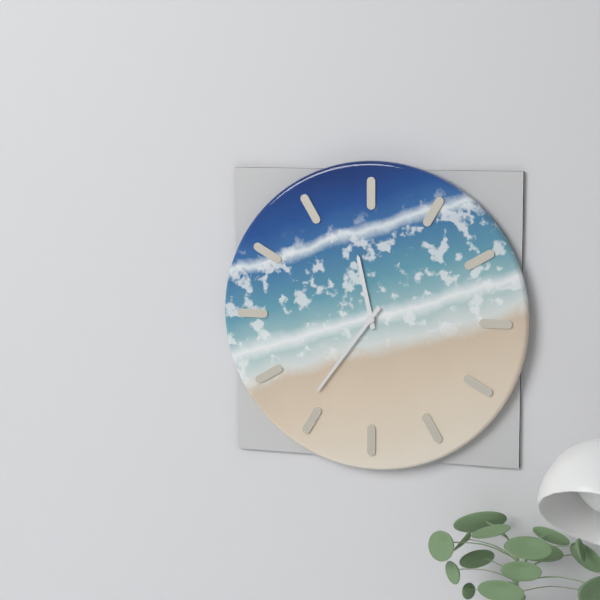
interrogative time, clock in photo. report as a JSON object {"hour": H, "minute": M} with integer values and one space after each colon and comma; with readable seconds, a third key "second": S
{"hour": 11, "minute": 36}
